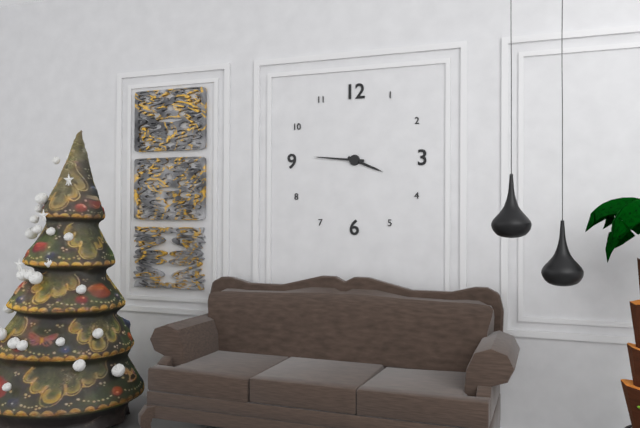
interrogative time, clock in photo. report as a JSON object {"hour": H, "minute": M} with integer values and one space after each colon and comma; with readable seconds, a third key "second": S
{"hour": 3, "minute": 46}
